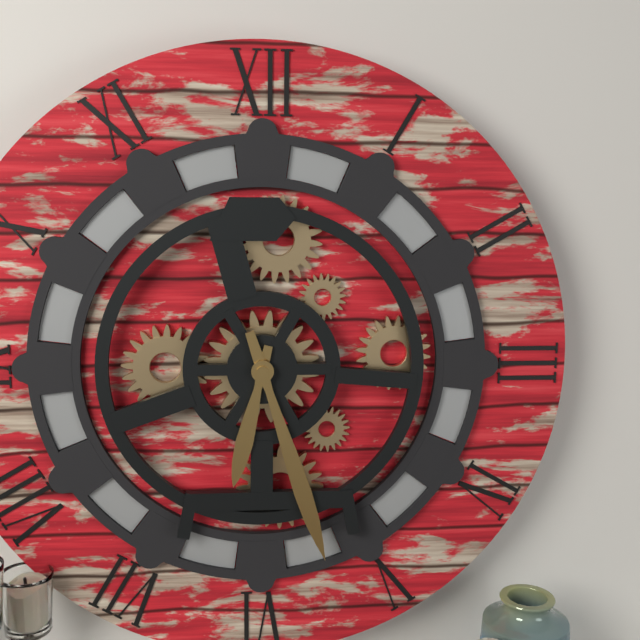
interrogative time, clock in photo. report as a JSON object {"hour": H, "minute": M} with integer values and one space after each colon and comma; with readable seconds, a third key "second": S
{"hour": 6, "minute": 27}
